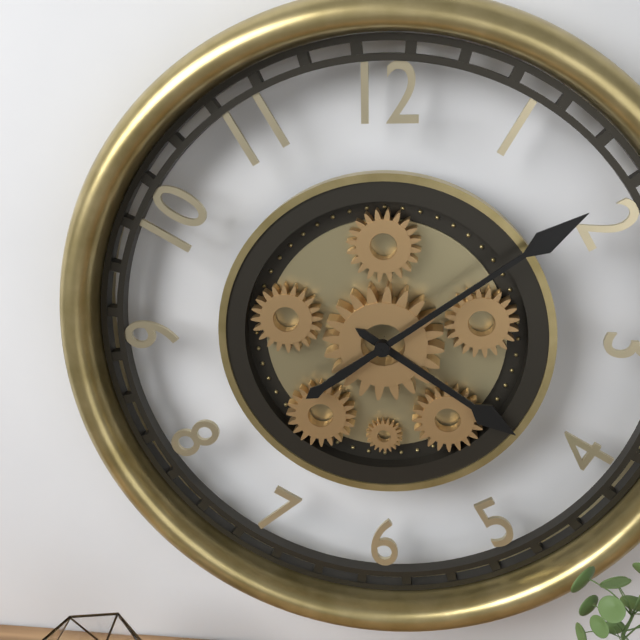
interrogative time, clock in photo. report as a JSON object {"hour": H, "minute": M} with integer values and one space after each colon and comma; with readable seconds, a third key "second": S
{"hour": 4, "minute": 9}
